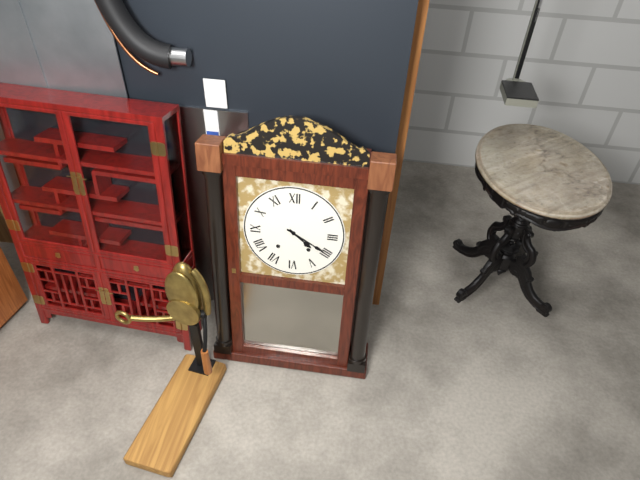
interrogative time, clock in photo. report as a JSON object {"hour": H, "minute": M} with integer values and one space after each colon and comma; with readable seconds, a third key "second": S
{"hour": 4, "minute": 20}
